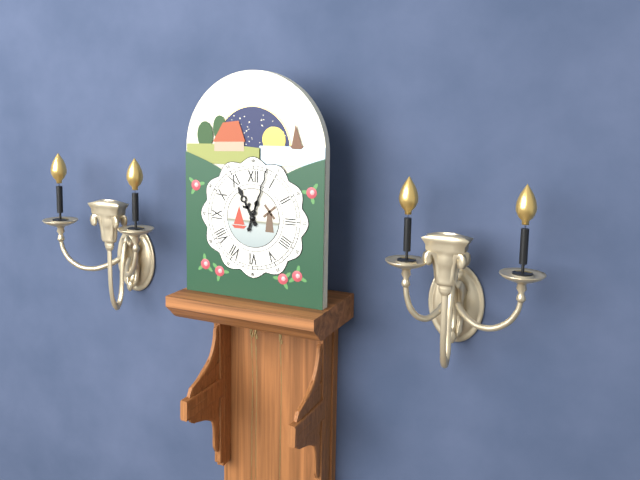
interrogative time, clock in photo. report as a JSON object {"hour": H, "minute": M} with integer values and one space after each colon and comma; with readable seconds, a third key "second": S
{"hour": 11, "minute": 3}
